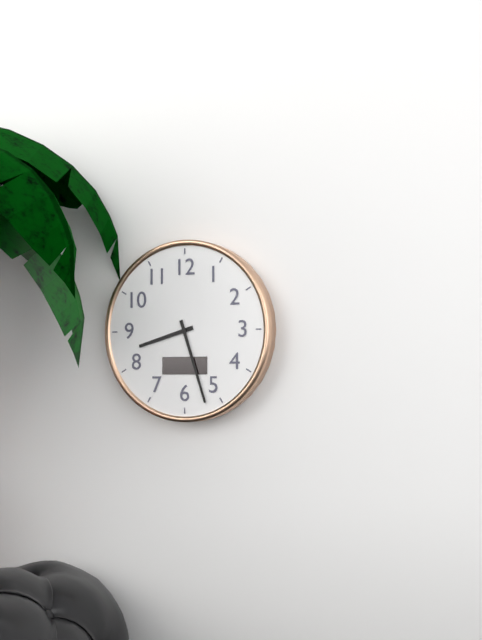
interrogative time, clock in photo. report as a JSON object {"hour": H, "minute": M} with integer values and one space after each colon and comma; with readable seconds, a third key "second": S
{"hour": 8, "minute": 27}
